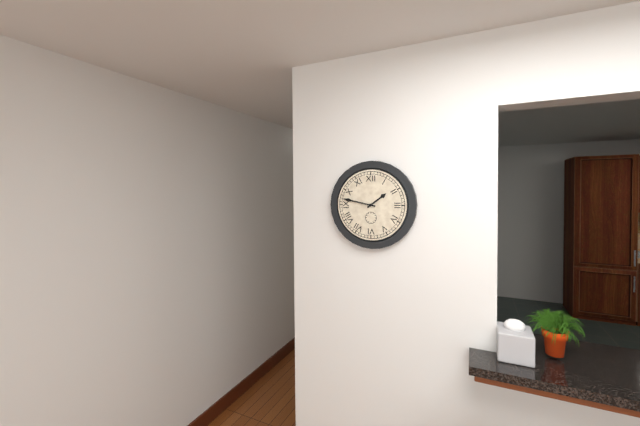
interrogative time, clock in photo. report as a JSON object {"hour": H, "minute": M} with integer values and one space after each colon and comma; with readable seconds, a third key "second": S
{"hour": 1, "minute": 47}
